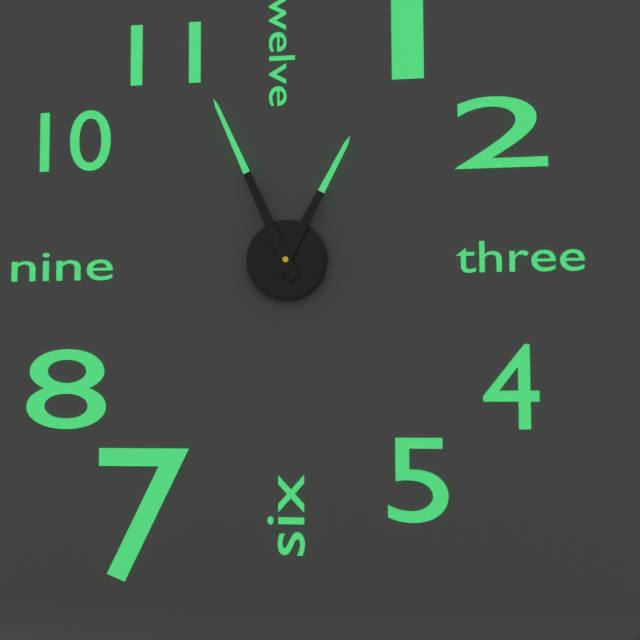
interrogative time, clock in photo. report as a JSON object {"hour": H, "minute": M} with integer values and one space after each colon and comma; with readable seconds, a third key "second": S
{"hour": 12, "minute": 56}
